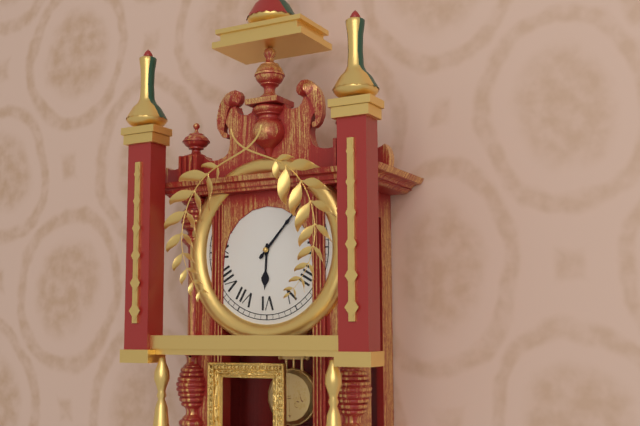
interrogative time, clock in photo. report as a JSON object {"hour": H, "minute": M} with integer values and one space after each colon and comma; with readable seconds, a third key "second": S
{"hour": 6, "minute": 7}
